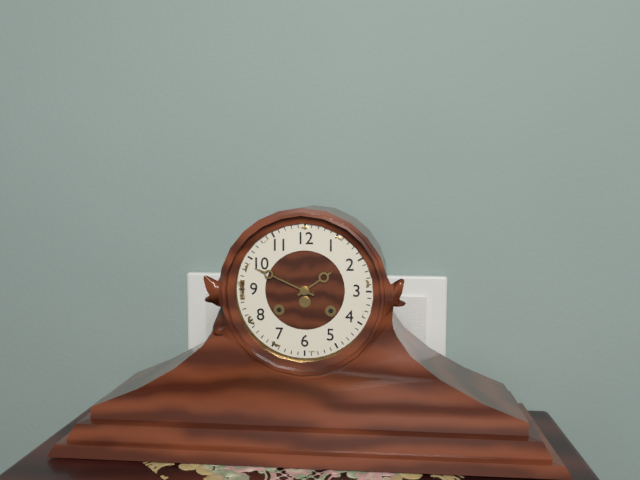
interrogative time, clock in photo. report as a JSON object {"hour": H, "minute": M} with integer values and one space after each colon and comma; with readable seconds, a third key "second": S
{"hour": 1, "minute": 49}
